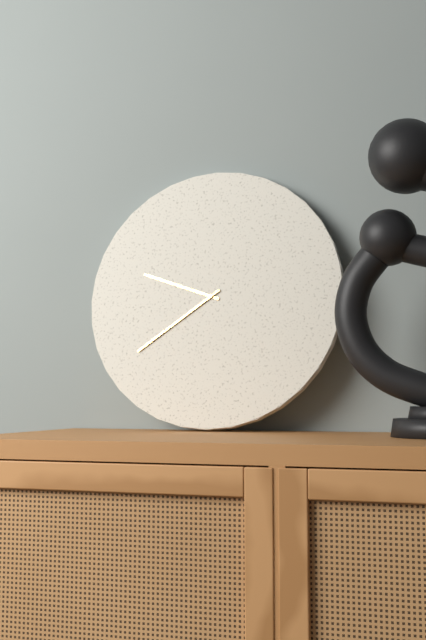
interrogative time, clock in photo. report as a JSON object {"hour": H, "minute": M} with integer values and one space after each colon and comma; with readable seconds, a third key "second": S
{"hour": 9, "minute": 39}
